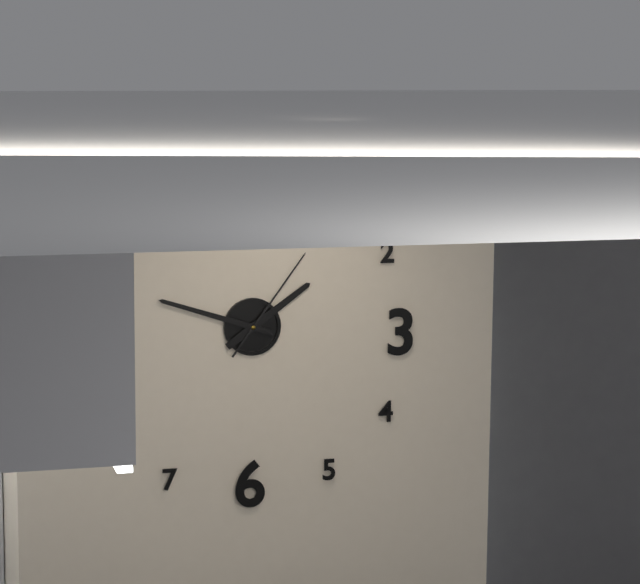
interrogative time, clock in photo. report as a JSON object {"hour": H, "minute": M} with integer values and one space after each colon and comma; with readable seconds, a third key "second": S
{"hour": 1, "minute": 48, "second": 6}
